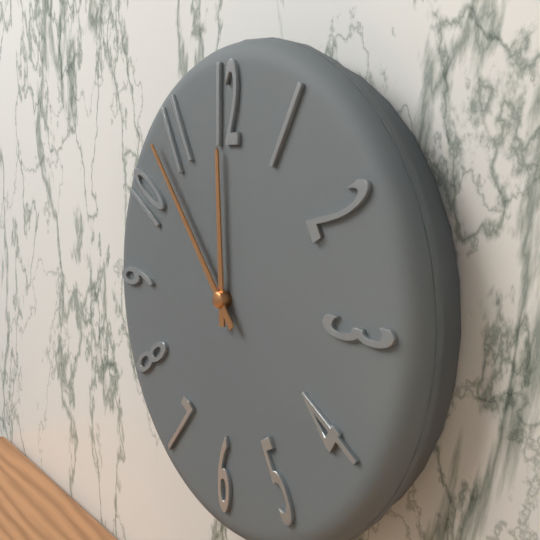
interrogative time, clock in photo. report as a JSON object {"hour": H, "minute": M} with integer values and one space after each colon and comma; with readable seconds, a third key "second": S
{"hour": 11, "minute": 53}
